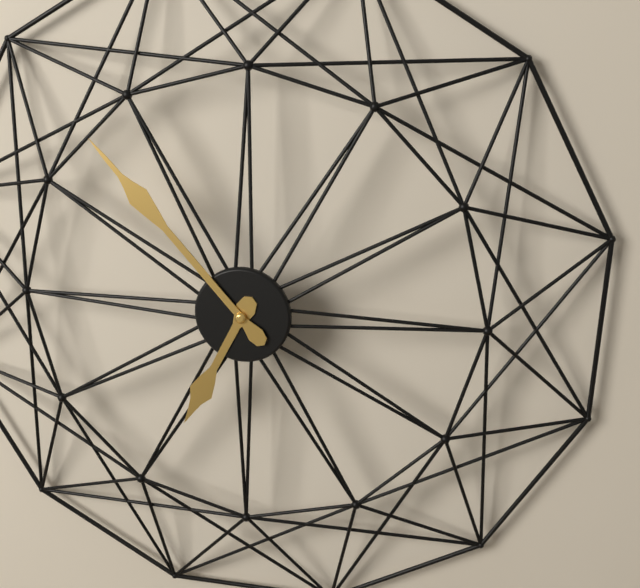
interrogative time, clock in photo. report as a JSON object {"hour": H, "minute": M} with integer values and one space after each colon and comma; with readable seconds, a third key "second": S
{"hour": 6, "minute": 53}
